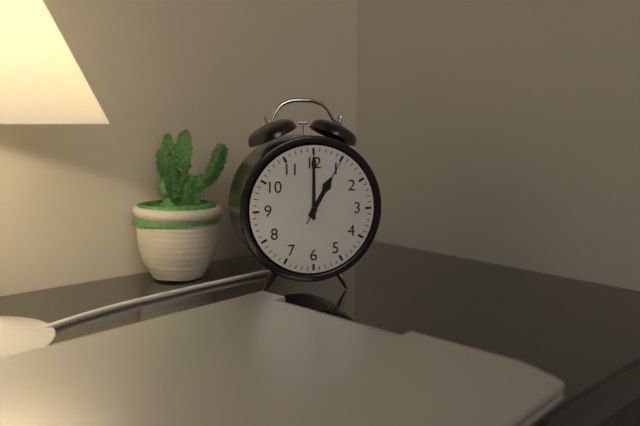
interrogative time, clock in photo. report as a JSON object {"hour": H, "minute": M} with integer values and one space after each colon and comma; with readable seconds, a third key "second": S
{"hour": 1, "minute": 0, "second": 5}
